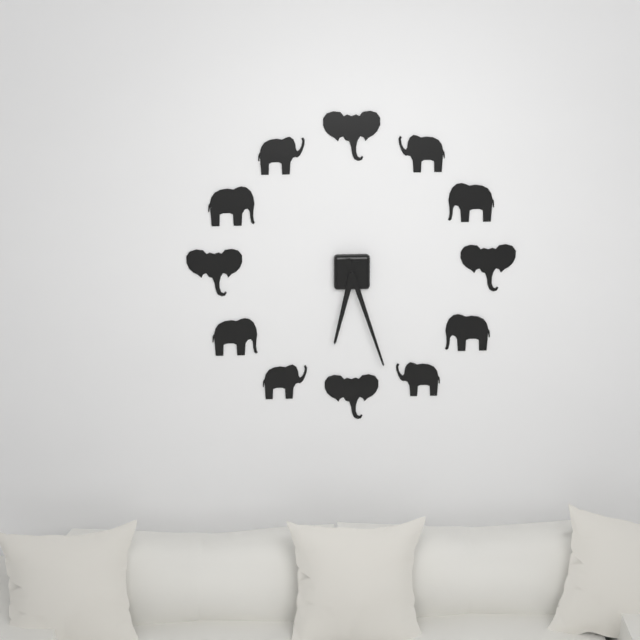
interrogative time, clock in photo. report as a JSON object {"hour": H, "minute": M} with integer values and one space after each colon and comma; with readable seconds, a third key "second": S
{"hour": 6, "minute": 27}
